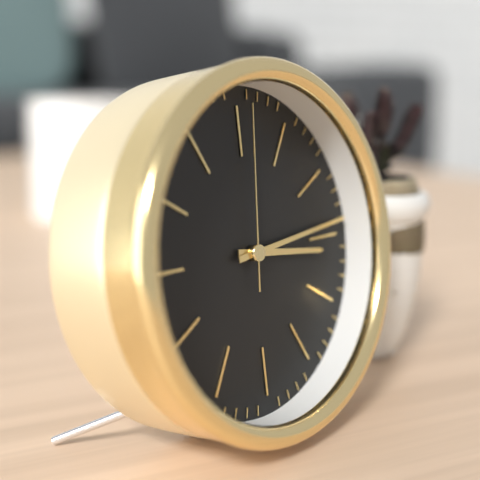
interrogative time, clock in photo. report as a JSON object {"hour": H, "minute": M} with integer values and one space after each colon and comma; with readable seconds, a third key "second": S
{"hour": 3, "minute": 14, "second": 1}
